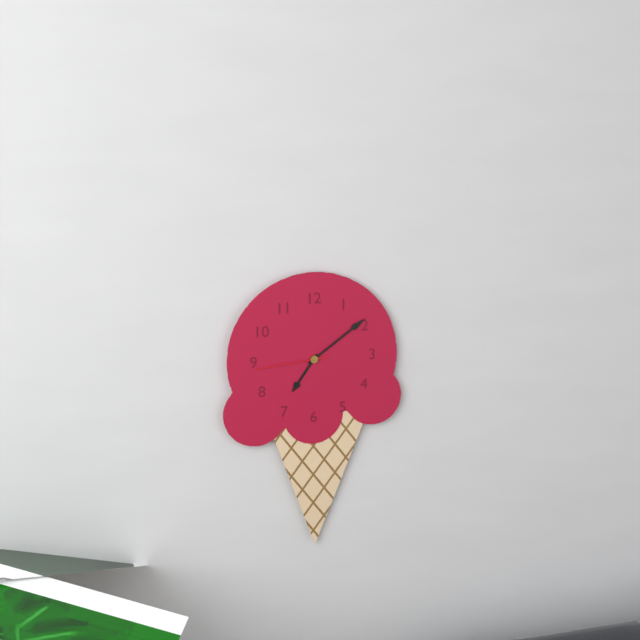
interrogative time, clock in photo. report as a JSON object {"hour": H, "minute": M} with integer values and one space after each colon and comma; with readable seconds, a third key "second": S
{"hour": 7, "minute": 9, "second": 44}
